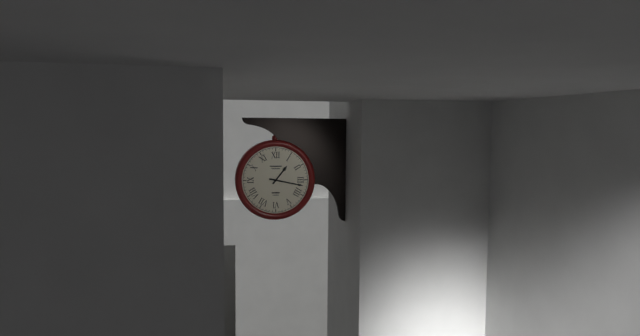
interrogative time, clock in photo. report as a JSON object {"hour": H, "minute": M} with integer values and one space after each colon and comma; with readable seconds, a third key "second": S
{"hour": 1, "minute": 17}
